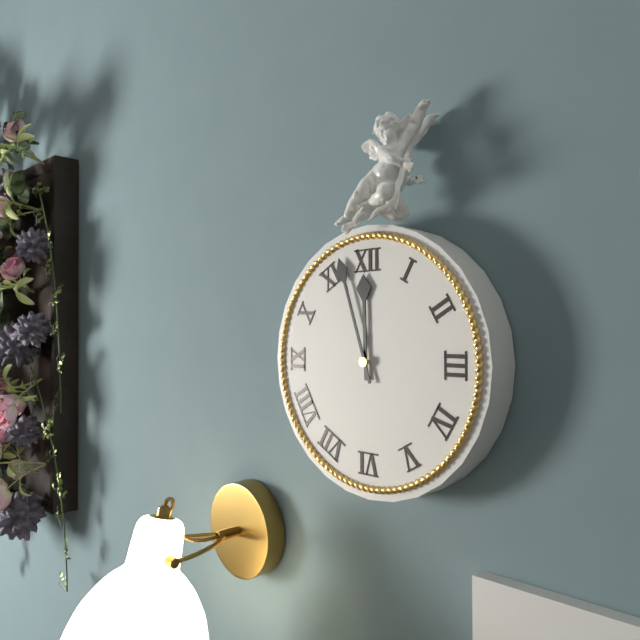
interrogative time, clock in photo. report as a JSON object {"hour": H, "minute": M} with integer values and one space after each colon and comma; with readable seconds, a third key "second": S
{"hour": 11, "minute": 57}
